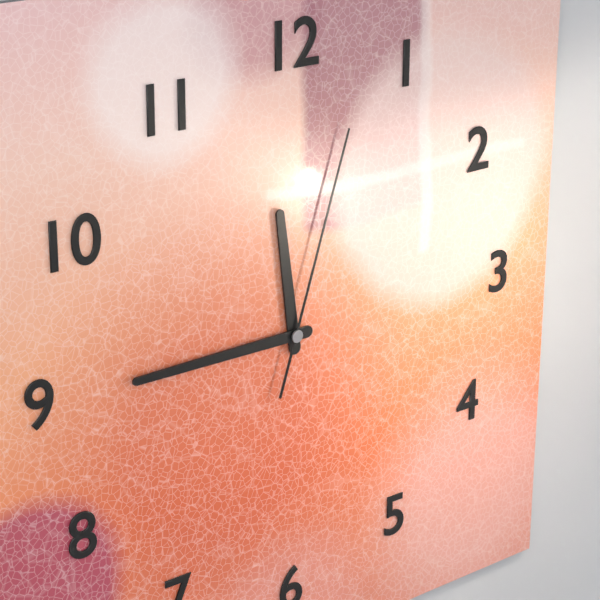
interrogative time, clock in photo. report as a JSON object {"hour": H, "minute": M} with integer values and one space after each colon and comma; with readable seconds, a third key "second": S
{"hour": 11, "minute": 45, "second": 3}
